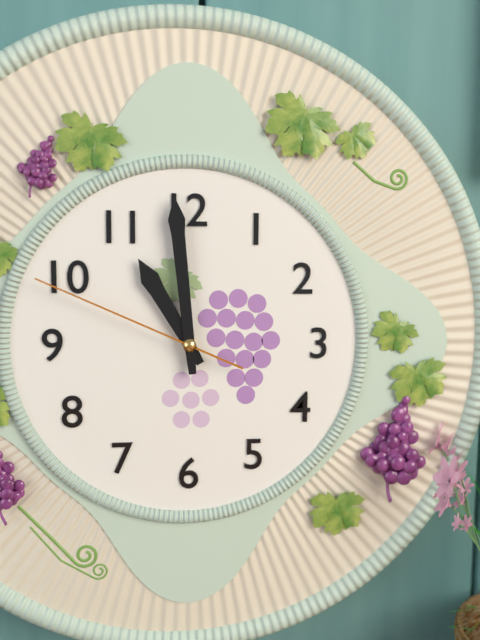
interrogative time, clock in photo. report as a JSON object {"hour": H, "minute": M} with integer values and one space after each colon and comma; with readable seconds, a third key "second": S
{"hour": 10, "minute": 59, "second": 49}
